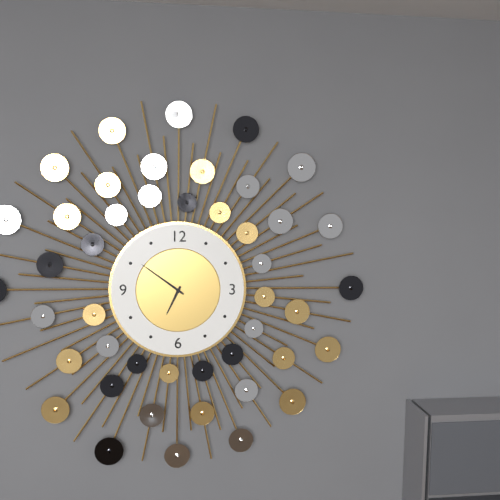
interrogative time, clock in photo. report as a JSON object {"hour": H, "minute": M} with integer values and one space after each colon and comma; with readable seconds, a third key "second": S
{"hour": 6, "minute": 51}
